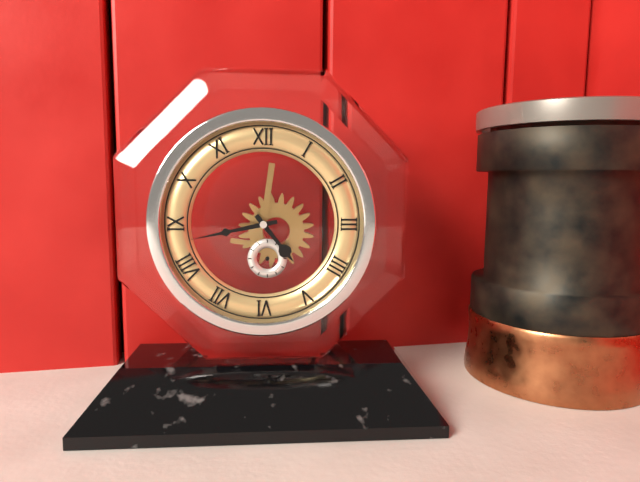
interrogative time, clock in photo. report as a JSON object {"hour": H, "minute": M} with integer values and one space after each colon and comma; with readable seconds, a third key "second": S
{"hour": 4, "minute": 43}
